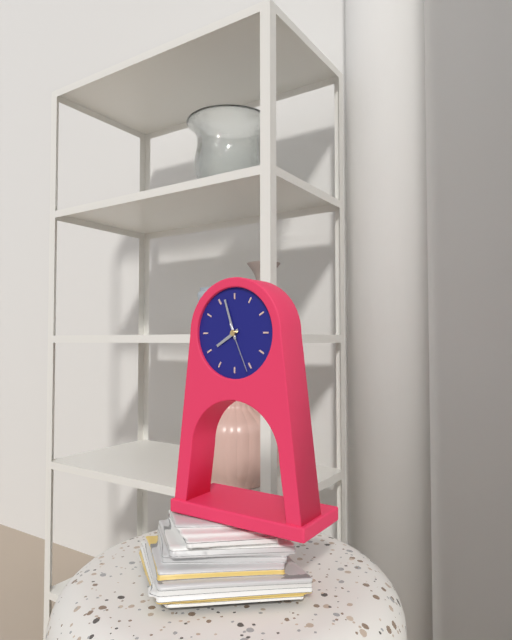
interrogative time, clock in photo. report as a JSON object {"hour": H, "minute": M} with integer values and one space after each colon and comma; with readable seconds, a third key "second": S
{"hour": 7, "minute": 57, "second": 26}
